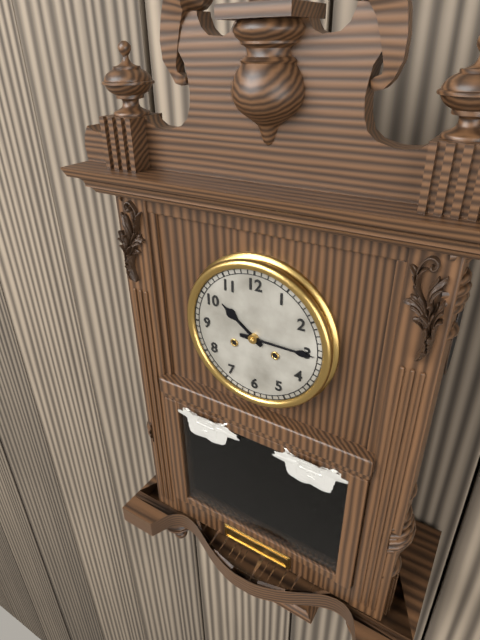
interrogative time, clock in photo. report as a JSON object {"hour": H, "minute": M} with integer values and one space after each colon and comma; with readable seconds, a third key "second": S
{"hour": 10, "minute": 15}
